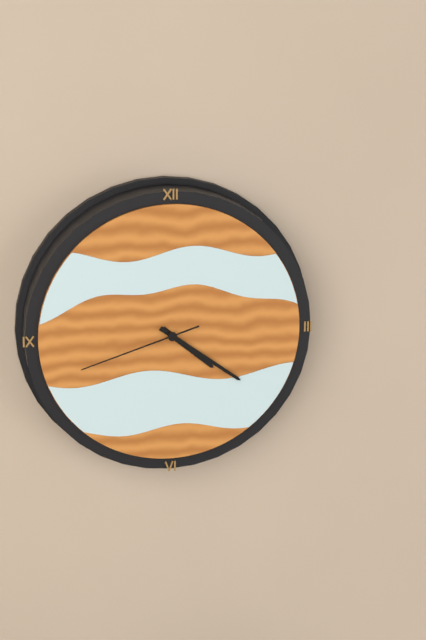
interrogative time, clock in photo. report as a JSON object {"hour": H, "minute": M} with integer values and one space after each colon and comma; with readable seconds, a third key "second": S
{"hour": 4, "minute": 21, "second": 42}
